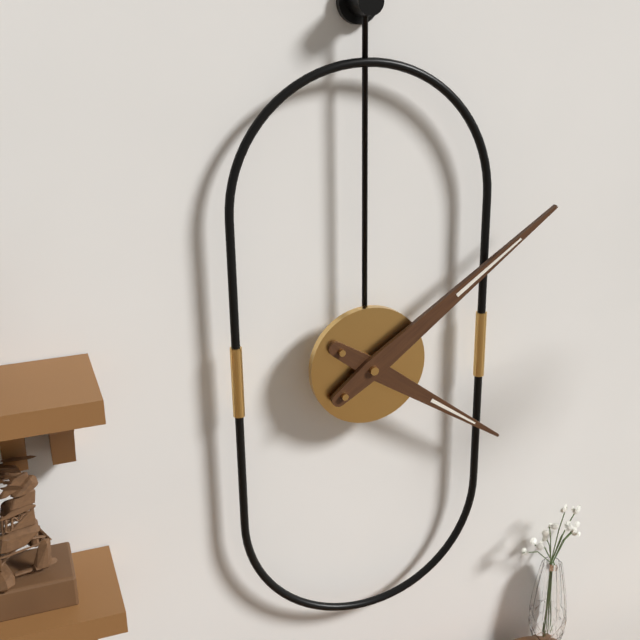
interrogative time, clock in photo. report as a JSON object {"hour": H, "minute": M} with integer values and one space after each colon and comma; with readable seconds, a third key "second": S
{"hour": 4, "minute": 9}
